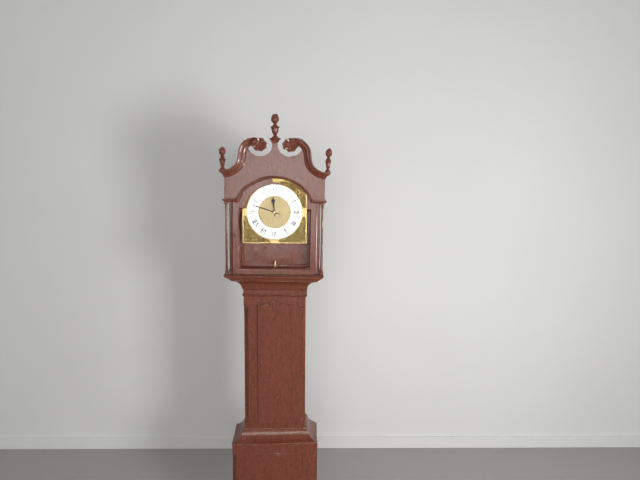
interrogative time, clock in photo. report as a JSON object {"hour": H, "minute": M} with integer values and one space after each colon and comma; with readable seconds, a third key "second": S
{"hour": 11, "minute": 48}
